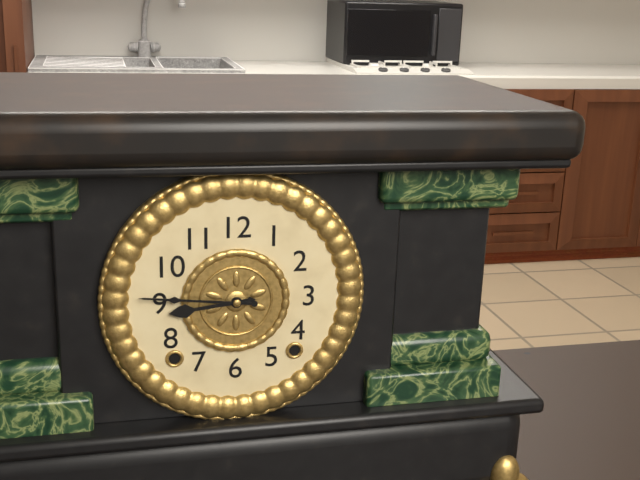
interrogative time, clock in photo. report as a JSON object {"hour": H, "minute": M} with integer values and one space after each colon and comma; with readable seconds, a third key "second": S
{"hour": 8, "minute": 46}
